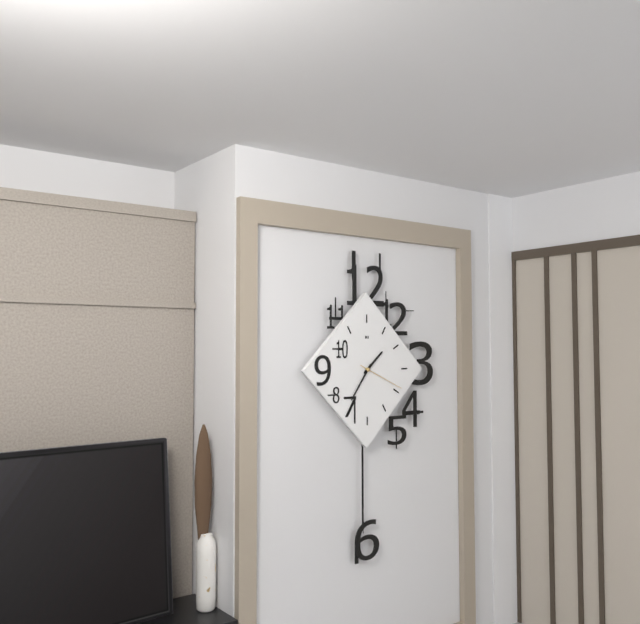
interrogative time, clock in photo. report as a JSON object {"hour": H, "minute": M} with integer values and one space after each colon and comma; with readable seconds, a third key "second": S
{"hour": 1, "minute": 36, "second": 19}
